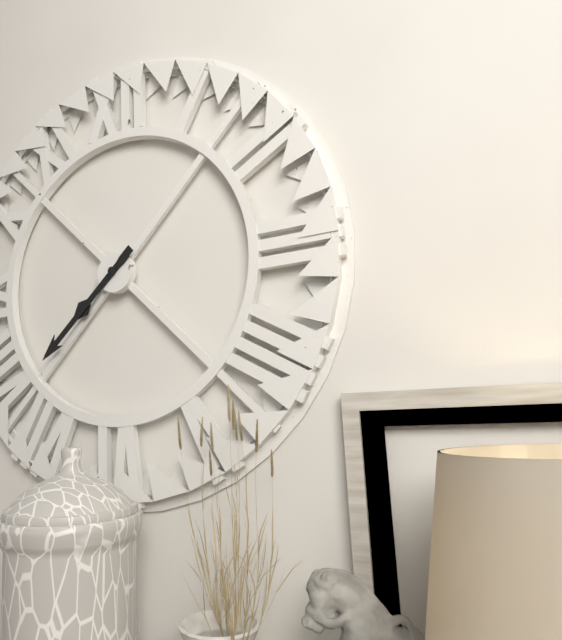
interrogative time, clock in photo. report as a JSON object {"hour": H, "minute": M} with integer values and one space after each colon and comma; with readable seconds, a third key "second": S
{"hour": 7, "minute": 38}
